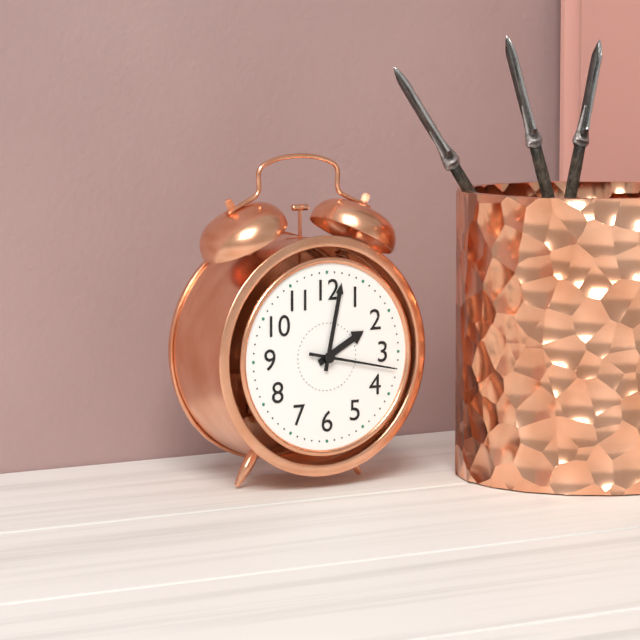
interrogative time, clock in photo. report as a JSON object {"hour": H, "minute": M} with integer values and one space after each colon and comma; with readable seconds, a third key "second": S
{"hour": 2, "minute": 2, "second": 17}
